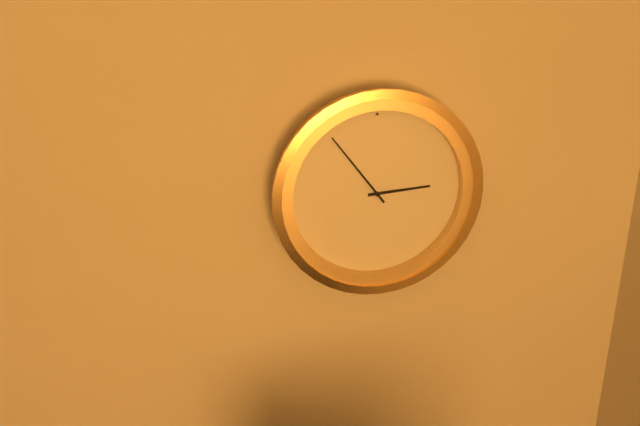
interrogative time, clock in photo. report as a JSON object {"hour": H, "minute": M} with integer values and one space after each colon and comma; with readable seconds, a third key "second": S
{"hour": 2, "minute": 54}
